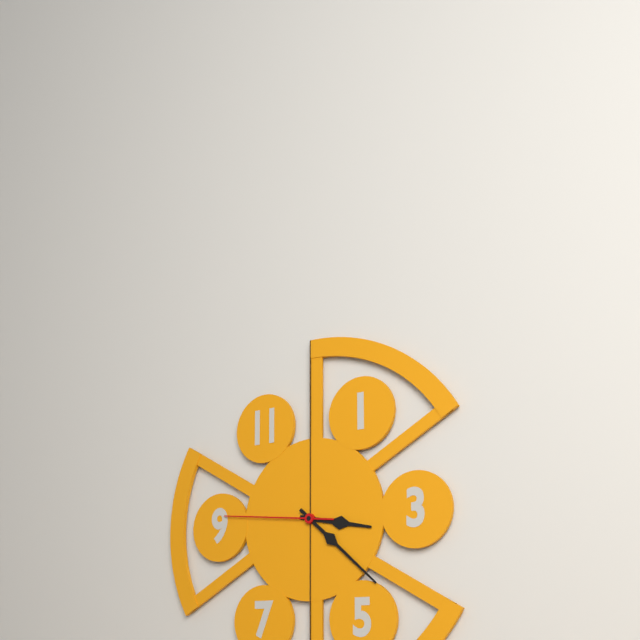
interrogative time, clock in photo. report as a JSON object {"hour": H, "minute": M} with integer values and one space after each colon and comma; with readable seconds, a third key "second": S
{"hour": 3, "minute": 22, "second": 46}
